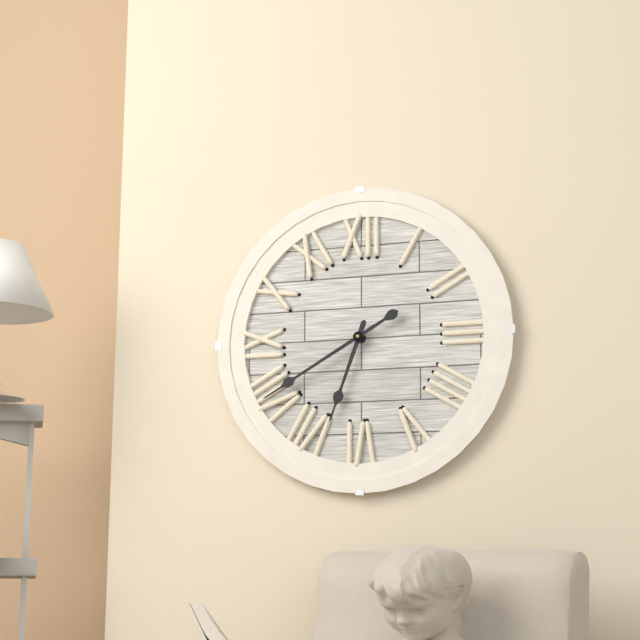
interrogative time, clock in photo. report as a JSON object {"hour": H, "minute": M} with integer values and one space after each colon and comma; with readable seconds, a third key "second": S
{"hour": 6, "minute": 40}
